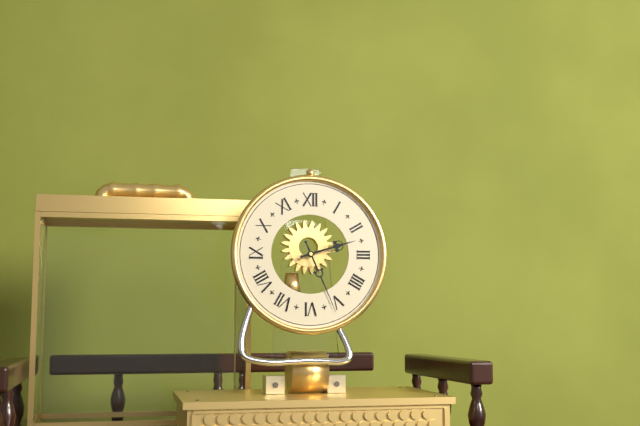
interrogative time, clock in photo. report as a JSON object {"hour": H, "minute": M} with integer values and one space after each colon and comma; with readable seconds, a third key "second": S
{"hour": 2, "minute": 26}
